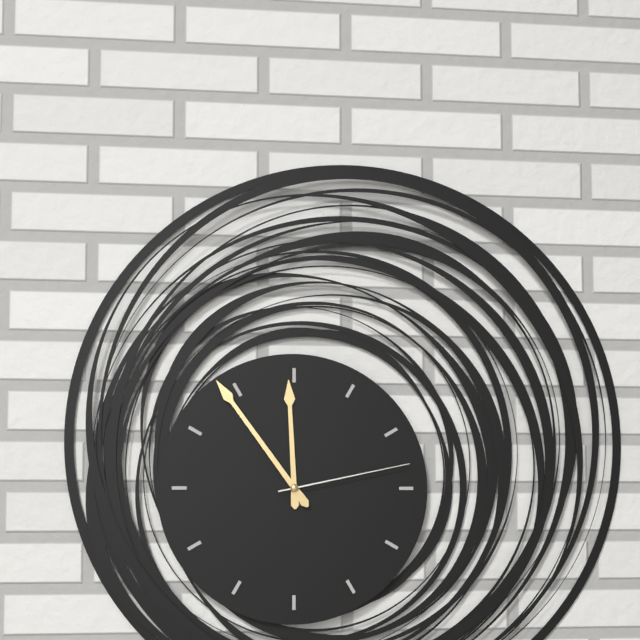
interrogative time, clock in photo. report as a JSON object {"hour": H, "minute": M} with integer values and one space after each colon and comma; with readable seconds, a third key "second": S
{"hour": 11, "minute": 54, "second": 13}
